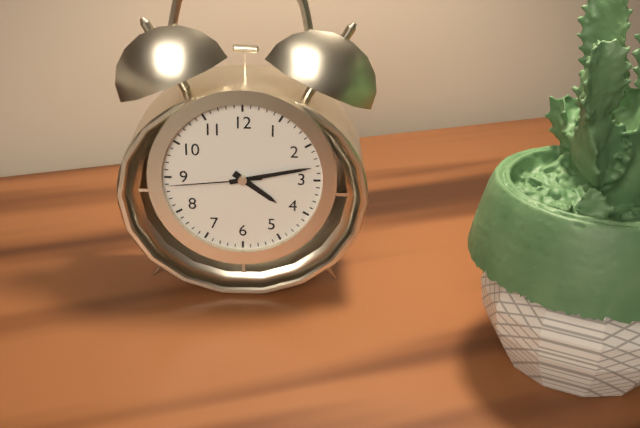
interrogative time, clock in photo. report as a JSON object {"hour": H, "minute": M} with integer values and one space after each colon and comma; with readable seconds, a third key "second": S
{"hour": 4, "minute": 13, "second": 44}
